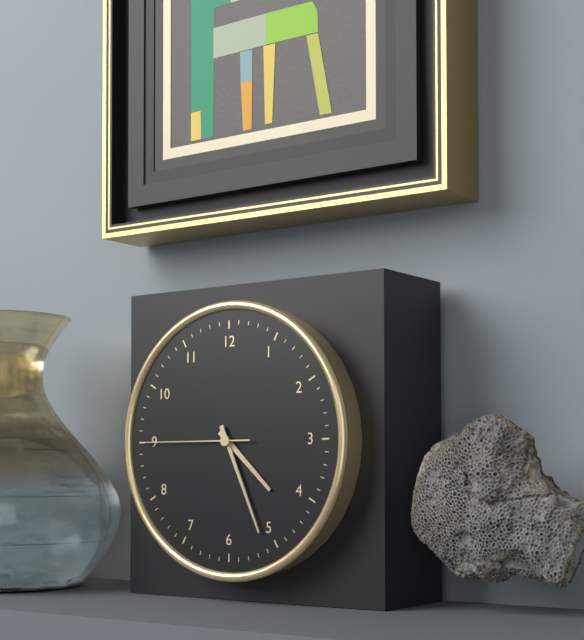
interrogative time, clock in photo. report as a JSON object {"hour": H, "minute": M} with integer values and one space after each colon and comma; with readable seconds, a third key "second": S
{"hour": 4, "minute": 26, "second": 45}
